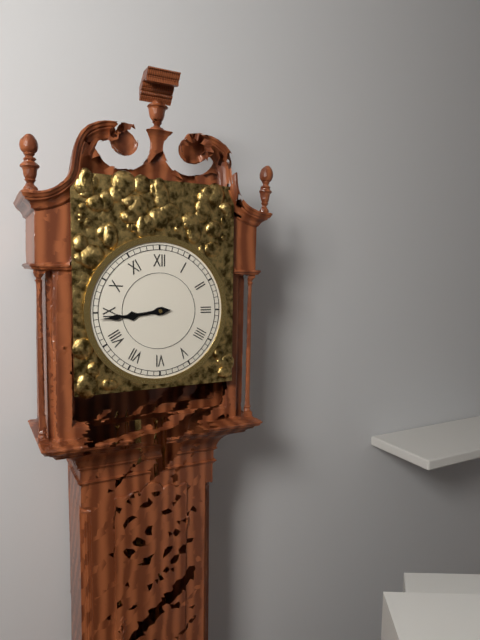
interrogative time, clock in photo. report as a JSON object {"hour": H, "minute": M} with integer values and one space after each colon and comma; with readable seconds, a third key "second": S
{"hour": 8, "minute": 44}
